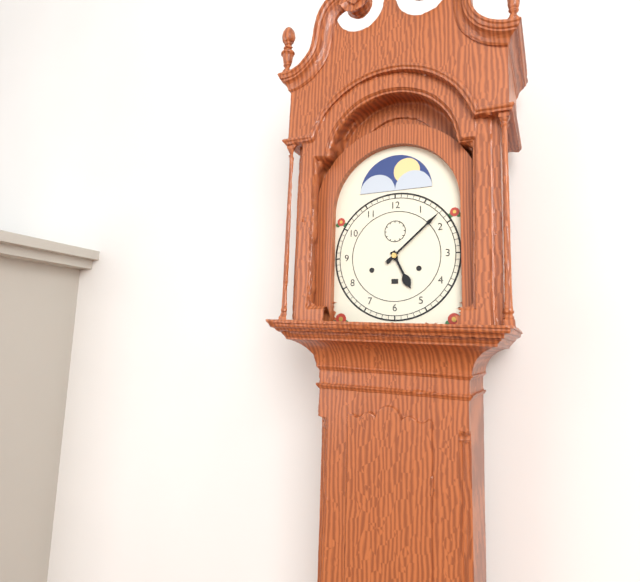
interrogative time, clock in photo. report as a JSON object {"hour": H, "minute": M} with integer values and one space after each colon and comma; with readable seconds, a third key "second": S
{"hour": 5, "minute": 8}
